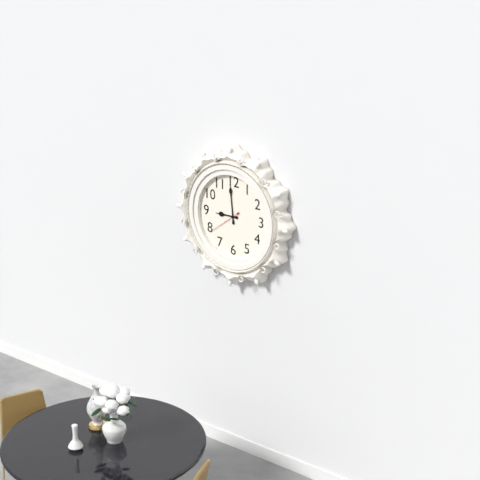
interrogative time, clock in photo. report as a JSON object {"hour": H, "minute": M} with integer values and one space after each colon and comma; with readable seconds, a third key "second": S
{"hour": 8, "minute": 59}
